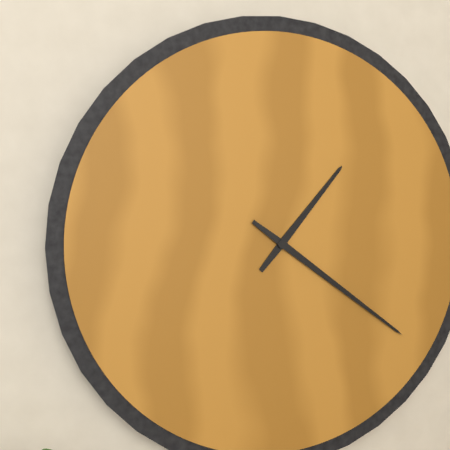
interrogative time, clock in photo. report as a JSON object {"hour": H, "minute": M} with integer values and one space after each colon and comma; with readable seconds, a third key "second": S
{"hour": 1, "minute": 21}
